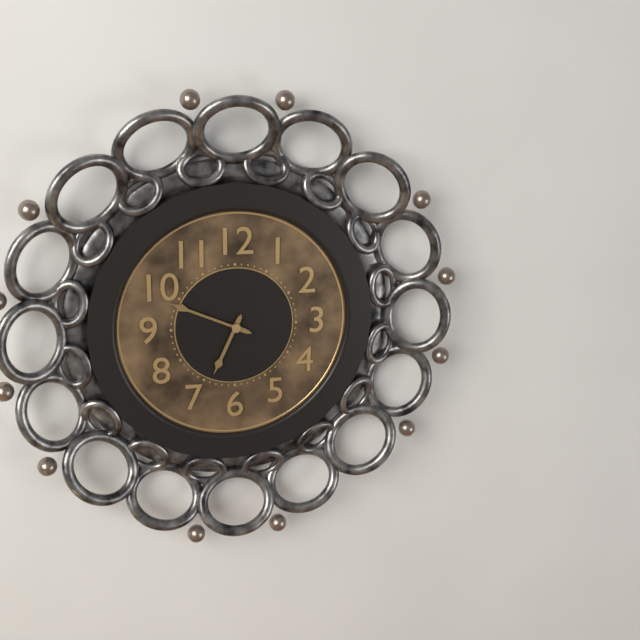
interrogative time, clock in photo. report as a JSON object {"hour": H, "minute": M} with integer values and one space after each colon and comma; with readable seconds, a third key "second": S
{"hour": 6, "minute": 49}
